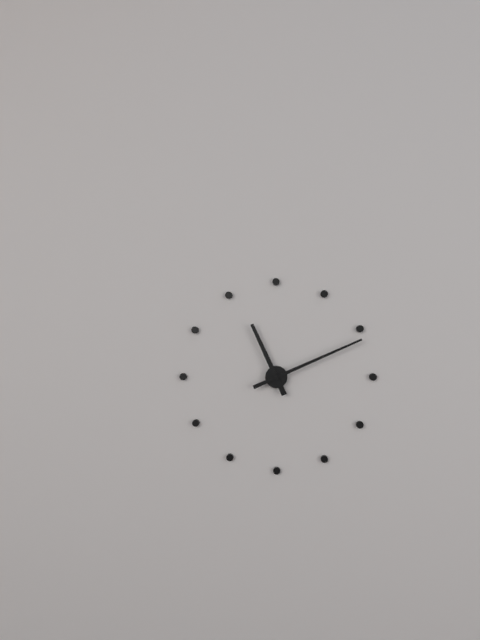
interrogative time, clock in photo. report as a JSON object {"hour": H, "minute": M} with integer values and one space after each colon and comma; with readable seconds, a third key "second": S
{"hour": 11, "minute": 11}
